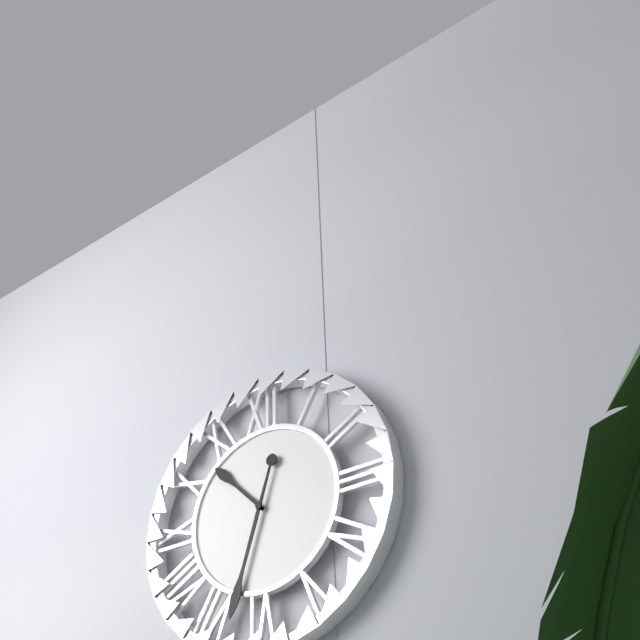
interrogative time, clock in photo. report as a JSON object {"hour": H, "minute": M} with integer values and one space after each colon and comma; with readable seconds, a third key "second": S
{"hour": 10, "minute": 33}
